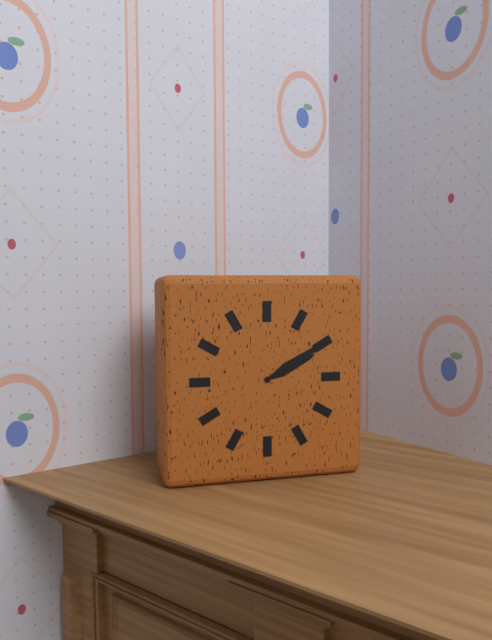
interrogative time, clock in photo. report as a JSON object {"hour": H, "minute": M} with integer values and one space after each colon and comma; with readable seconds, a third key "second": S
{"hour": 2, "minute": 10}
